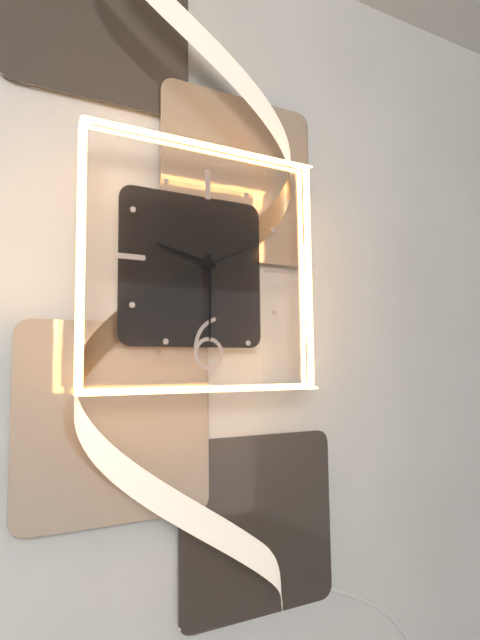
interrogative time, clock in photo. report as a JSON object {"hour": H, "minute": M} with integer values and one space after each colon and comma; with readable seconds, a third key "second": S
{"hour": 9, "minute": 30, "second": 11}
